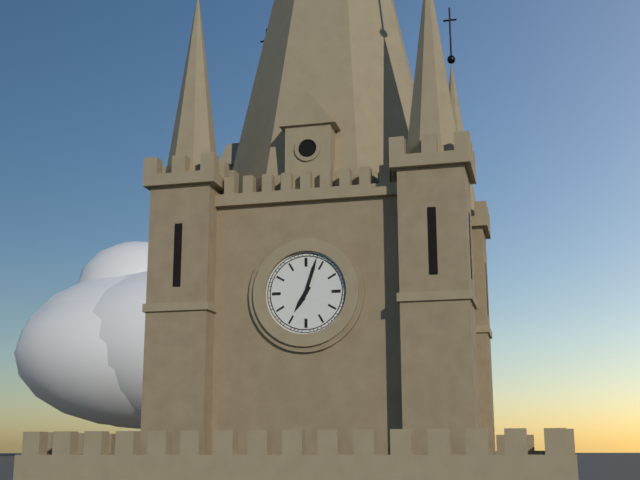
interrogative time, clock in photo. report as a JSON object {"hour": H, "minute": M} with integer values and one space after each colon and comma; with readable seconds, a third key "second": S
{"hour": 7, "minute": 3}
